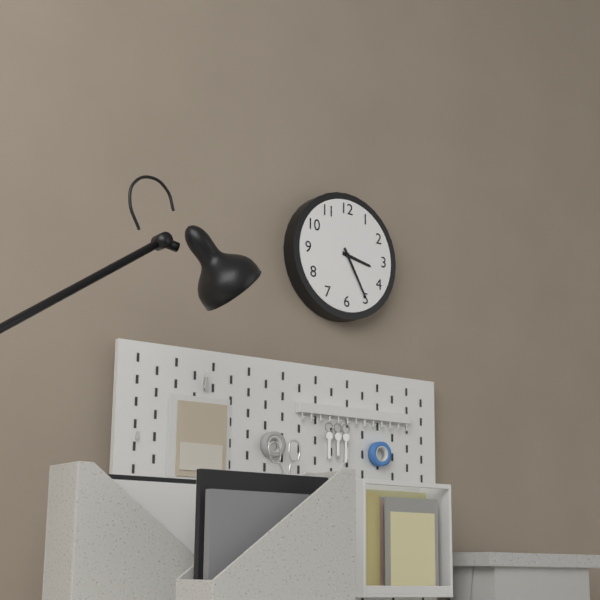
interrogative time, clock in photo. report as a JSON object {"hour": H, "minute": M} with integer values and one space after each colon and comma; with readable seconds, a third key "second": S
{"hour": 3, "minute": 25}
